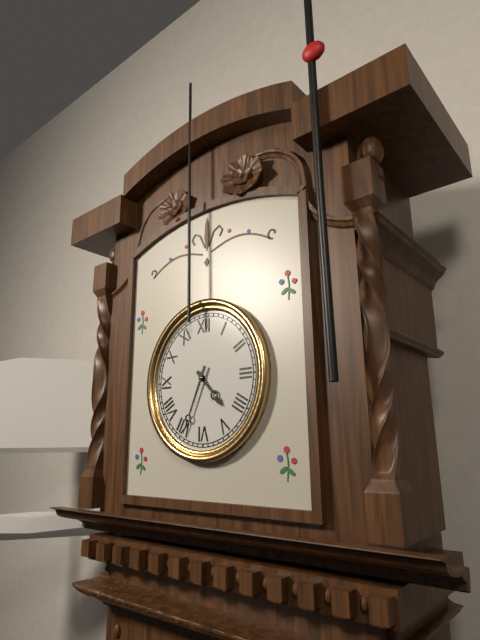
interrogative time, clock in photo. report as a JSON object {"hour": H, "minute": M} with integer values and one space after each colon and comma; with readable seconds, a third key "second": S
{"hour": 4, "minute": 34}
